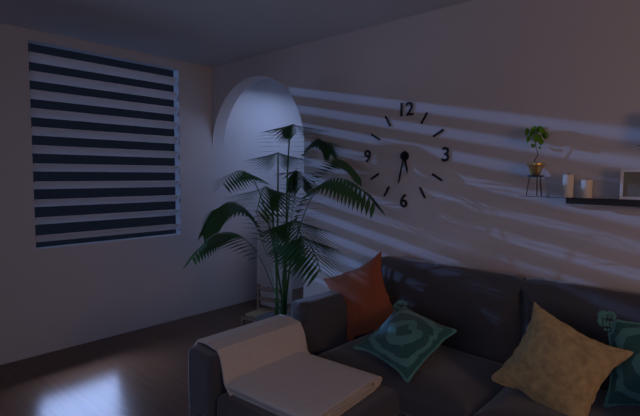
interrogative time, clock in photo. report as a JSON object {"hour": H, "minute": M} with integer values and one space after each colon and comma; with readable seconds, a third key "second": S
{"hour": 5, "minute": 32}
